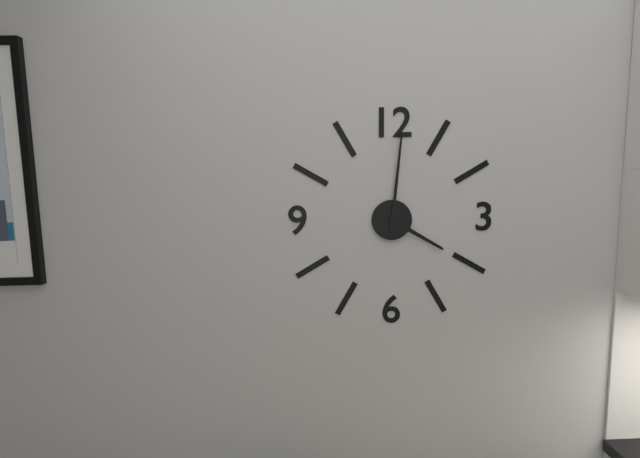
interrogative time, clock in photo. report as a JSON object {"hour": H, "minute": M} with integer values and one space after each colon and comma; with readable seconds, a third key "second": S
{"hour": 4, "minute": 1}
